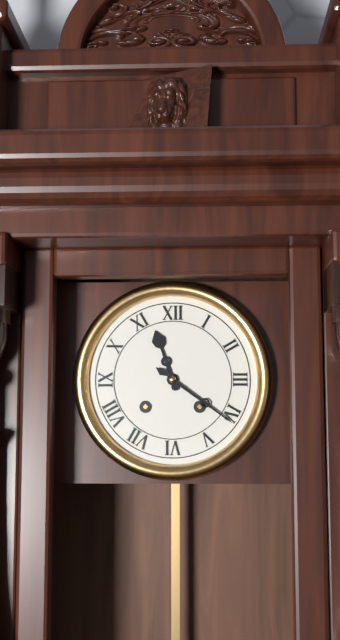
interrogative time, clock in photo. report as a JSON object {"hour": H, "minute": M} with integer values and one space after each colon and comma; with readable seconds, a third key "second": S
{"hour": 11, "minute": 21}
